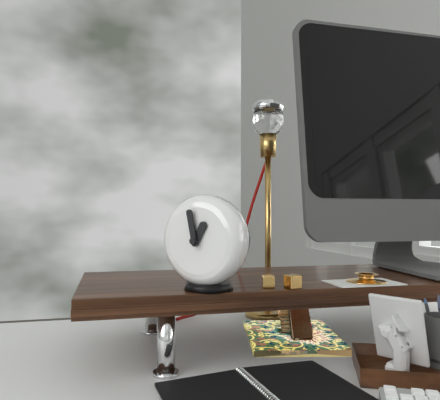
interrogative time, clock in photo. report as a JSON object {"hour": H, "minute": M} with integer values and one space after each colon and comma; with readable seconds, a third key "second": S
{"hour": 12, "minute": 58}
